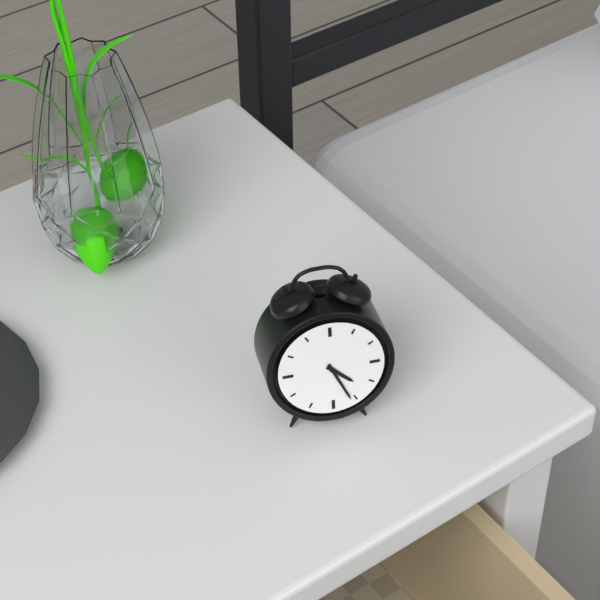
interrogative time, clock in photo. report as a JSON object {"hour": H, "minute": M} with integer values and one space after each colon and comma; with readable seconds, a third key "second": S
{"hour": 4, "minute": 26}
